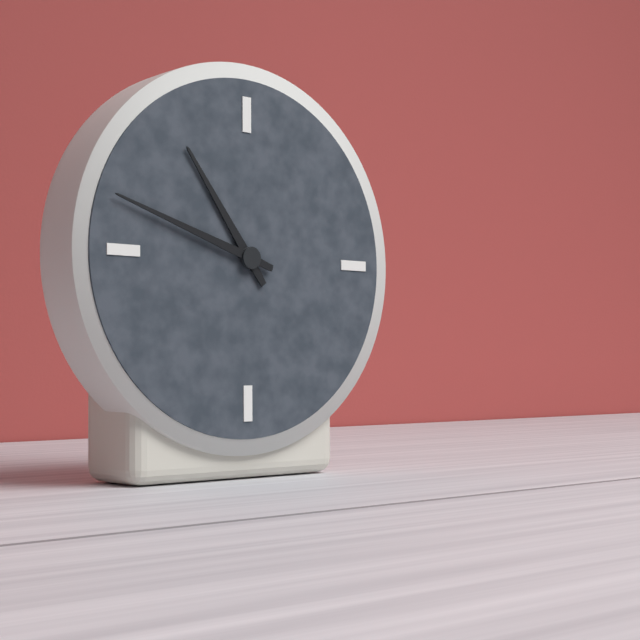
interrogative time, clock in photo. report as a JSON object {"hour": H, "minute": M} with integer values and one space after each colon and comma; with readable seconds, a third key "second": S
{"hour": 10, "minute": 48}
